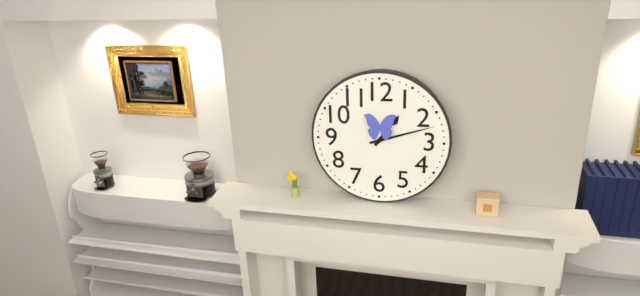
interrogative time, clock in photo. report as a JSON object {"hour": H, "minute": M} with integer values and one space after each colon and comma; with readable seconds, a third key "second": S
{"hour": 1, "minute": 12}
